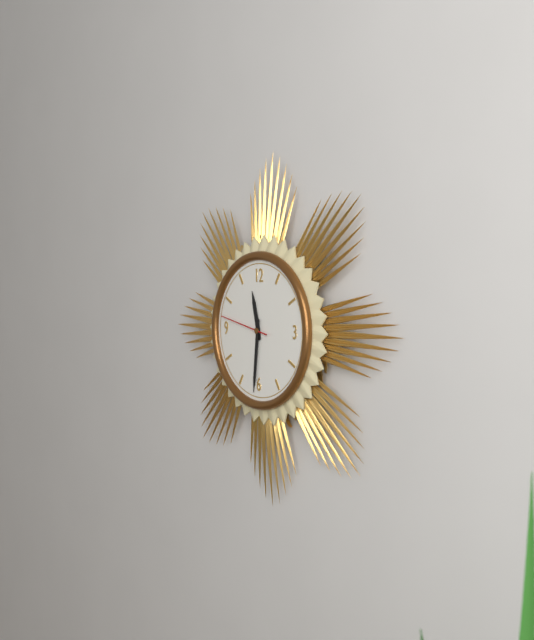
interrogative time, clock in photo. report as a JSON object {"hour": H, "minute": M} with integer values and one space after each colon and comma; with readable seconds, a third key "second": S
{"hour": 11, "minute": 31}
